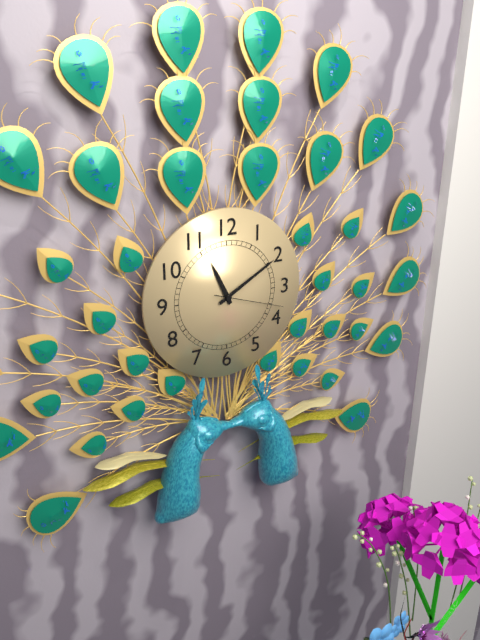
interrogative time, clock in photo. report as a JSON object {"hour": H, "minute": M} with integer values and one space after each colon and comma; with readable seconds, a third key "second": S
{"hour": 11, "minute": 10, "second": 18}
